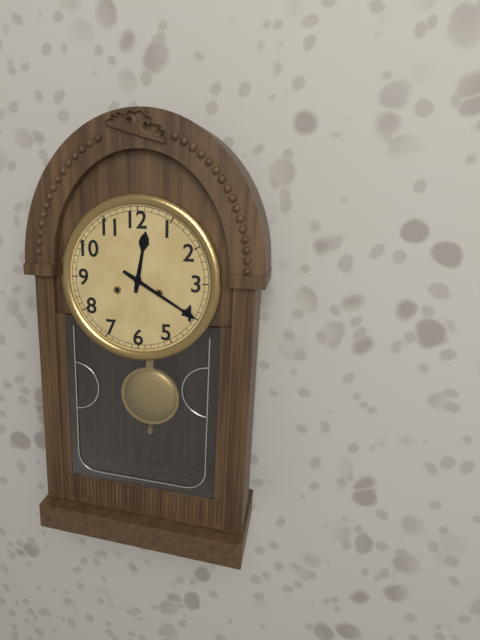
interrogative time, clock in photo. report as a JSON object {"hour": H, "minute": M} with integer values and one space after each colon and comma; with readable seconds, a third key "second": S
{"hour": 12, "minute": 20}
